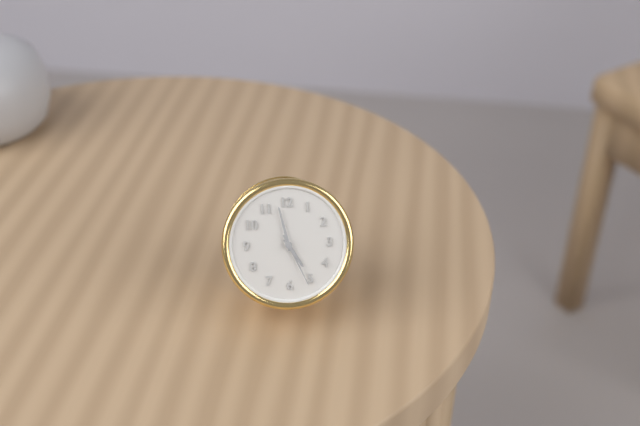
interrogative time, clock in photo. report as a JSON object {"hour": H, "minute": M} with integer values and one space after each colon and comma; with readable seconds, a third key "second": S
{"hour": 4, "minute": 58, "second": 26}
